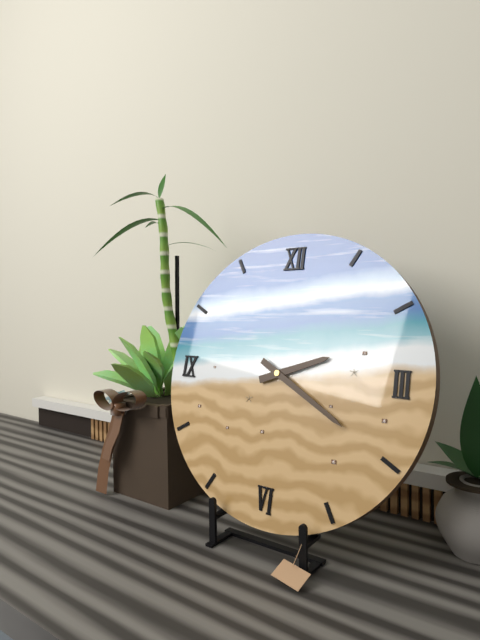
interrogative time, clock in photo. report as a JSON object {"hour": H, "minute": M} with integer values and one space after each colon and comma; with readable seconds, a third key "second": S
{"hour": 2, "minute": 20}
